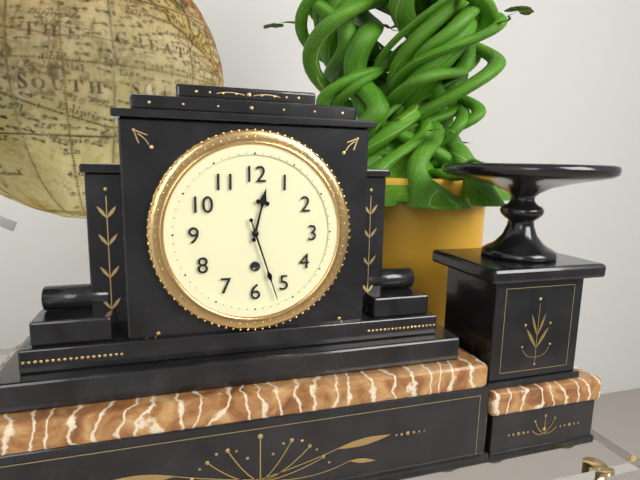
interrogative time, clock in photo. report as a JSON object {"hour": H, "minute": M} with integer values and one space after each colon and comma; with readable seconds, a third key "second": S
{"hour": 12, "minute": 27}
